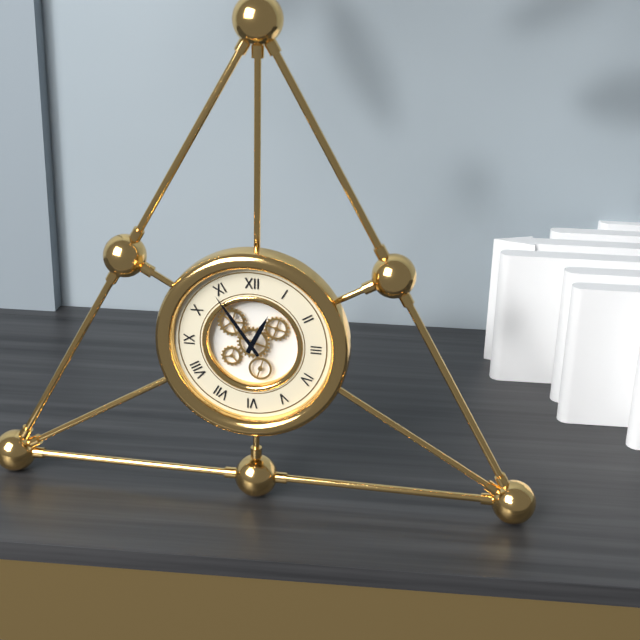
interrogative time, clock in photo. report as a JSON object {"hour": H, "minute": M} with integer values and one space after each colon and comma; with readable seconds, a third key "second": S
{"hour": 12, "minute": 54}
